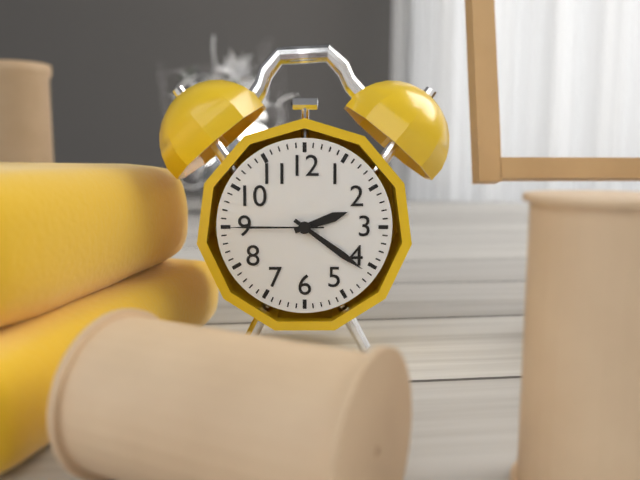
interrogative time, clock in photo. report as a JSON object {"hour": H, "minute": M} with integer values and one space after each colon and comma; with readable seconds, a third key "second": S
{"hour": 2, "minute": 21, "second": 45}
